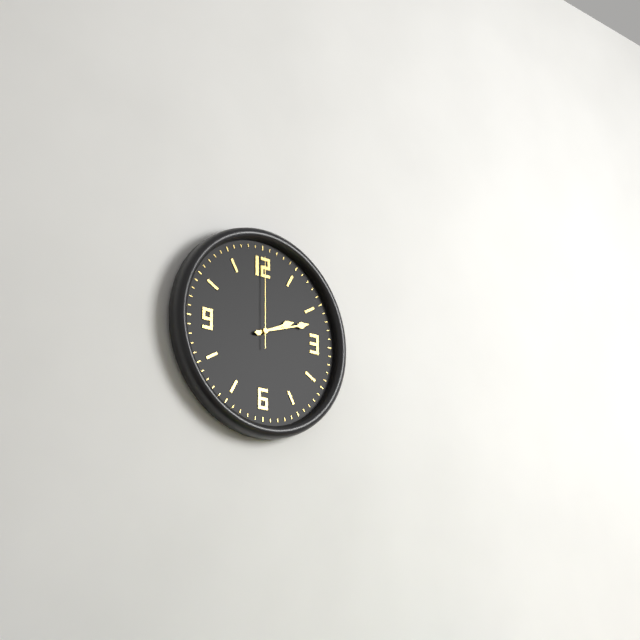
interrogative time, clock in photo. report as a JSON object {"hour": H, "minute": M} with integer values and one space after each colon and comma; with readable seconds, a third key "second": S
{"hour": 2, "minute": 12, "second": 0}
